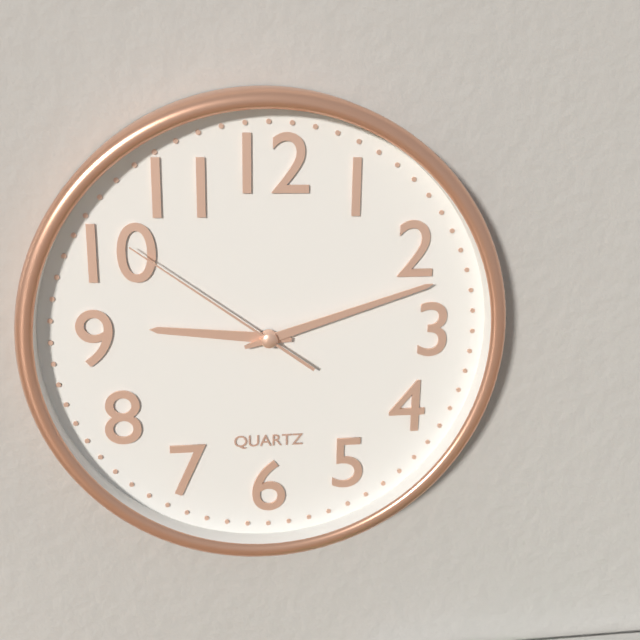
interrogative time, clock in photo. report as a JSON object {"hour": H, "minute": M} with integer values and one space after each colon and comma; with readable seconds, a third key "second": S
{"hour": 9, "minute": 12, "second": 51}
